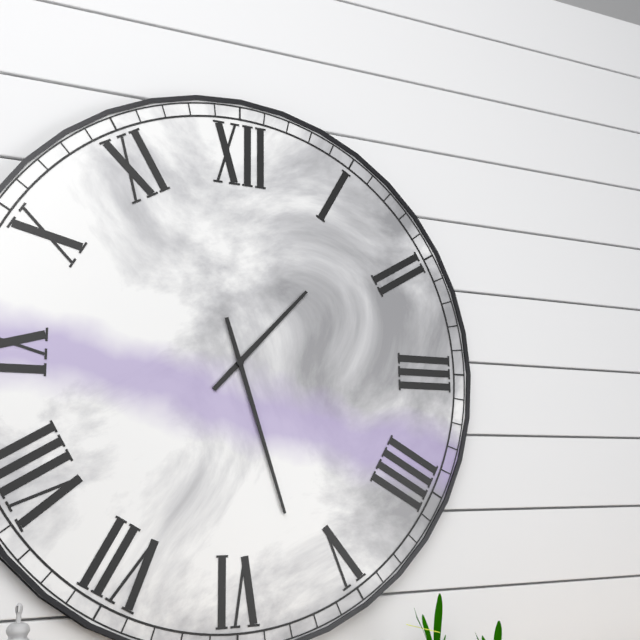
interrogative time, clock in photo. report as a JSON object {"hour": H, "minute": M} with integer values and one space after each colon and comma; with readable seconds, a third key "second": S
{"hour": 1, "minute": 27}
